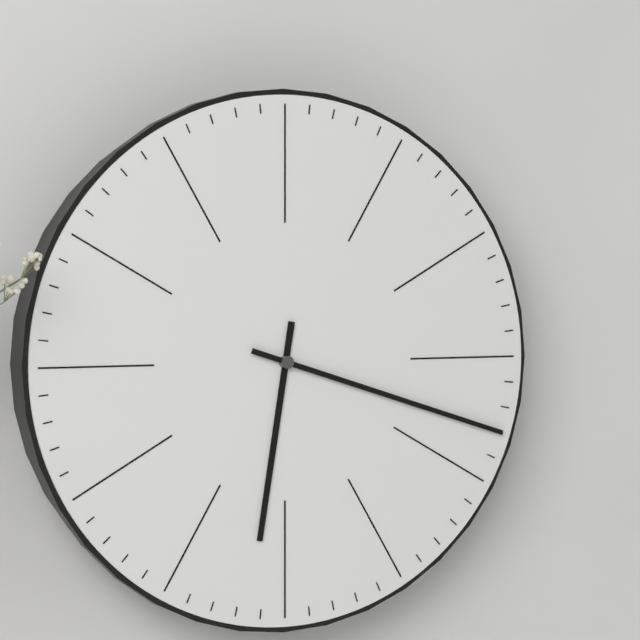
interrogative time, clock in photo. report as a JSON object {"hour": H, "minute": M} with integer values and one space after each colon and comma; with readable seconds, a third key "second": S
{"hour": 6, "minute": 18}
